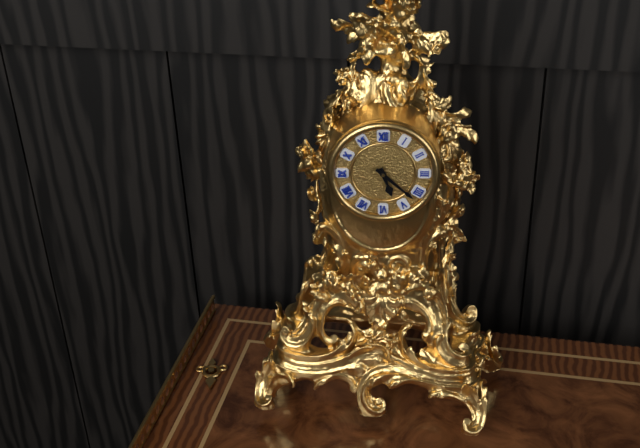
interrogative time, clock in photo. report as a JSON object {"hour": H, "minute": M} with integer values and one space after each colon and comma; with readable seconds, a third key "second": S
{"hour": 5, "minute": 22}
